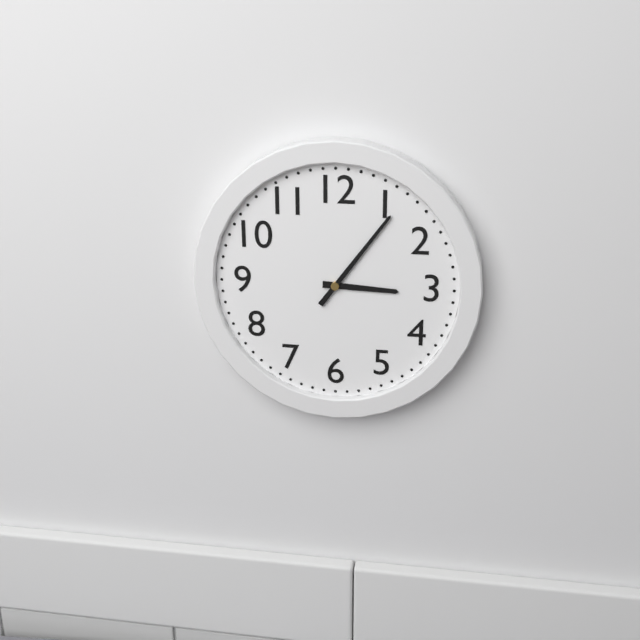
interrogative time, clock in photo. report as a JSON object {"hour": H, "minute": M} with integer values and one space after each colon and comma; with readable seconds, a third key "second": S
{"hour": 3, "minute": 6}
